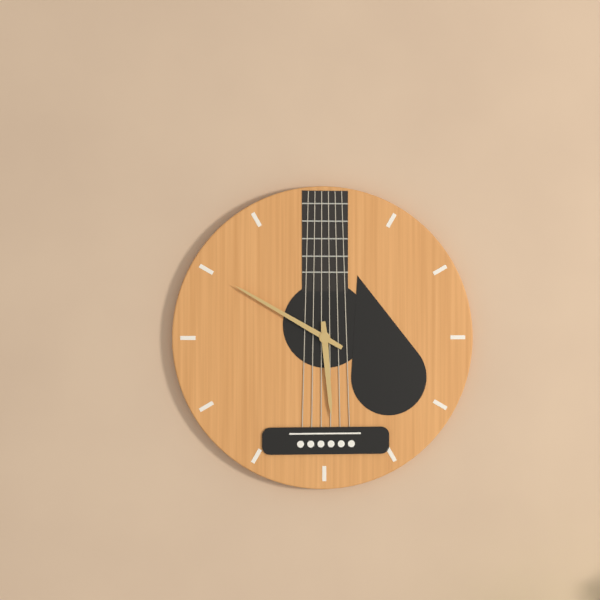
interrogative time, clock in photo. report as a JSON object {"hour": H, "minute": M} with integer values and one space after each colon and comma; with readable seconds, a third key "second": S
{"hour": 5, "minute": 50}
